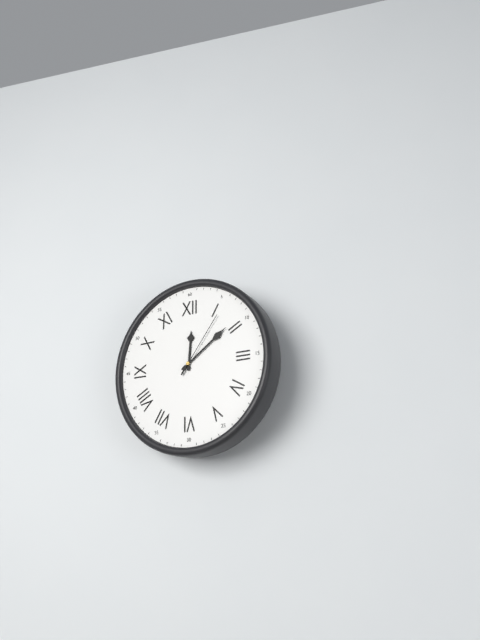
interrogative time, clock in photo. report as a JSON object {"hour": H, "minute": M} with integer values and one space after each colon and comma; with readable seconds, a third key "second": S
{"hour": 12, "minute": 9, "second": 6}
